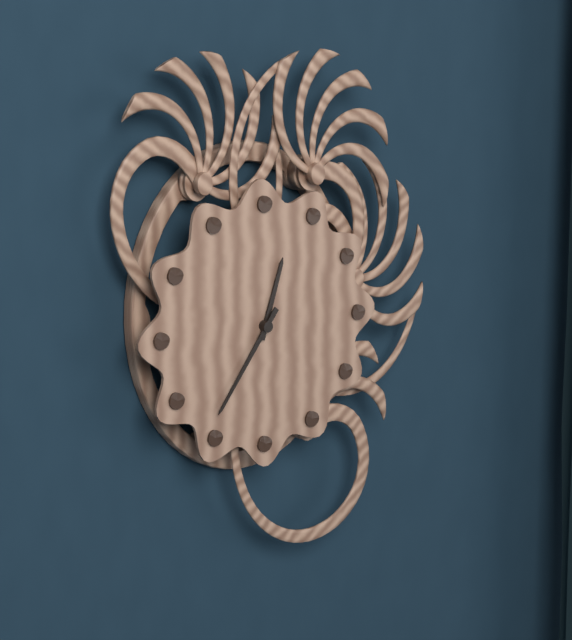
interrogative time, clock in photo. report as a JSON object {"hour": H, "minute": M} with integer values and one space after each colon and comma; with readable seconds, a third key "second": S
{"hour": 12, "minute": 36}
